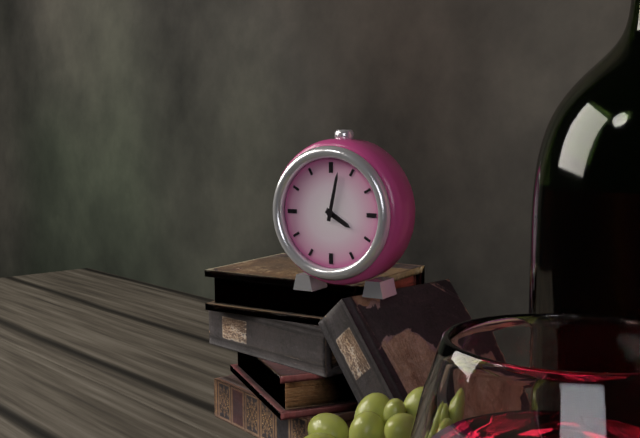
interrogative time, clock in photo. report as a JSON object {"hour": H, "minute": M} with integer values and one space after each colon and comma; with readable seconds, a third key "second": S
{"hour": 4, "minute": 2}
